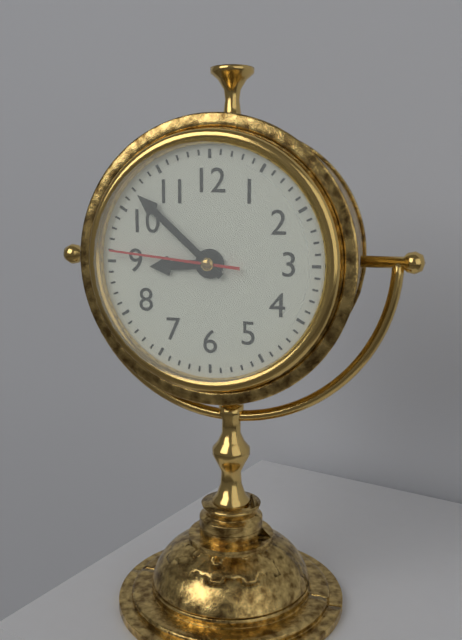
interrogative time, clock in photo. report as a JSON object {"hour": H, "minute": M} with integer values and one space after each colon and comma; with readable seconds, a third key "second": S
{"hour": 8, "minute": 52, "second": 46}
